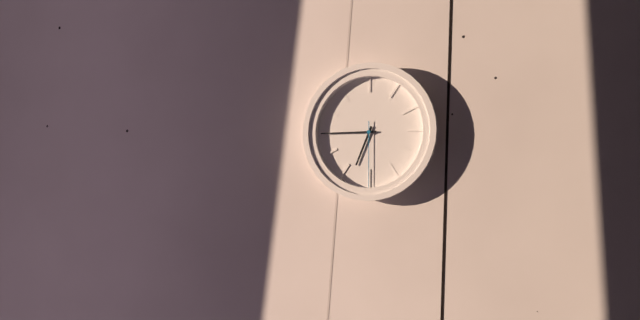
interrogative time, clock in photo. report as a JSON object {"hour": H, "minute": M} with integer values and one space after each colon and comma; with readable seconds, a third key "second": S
{"hour": 6, "minute": 45, "second": 30}
